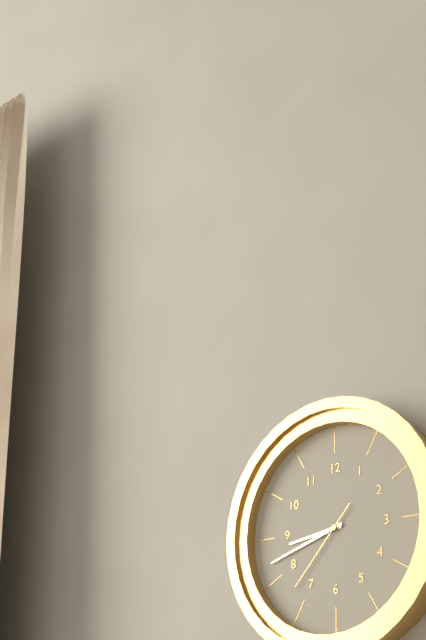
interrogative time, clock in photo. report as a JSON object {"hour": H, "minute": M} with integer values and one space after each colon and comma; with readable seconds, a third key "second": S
{"hour": 8, "minute": 42, "second": 37}
